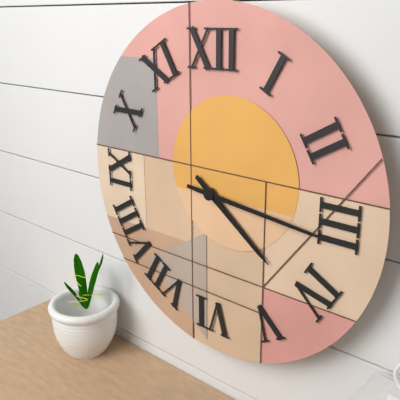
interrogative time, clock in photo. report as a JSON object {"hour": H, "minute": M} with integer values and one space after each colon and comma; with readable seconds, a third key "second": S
{"hour": 4, "minute": 16}
